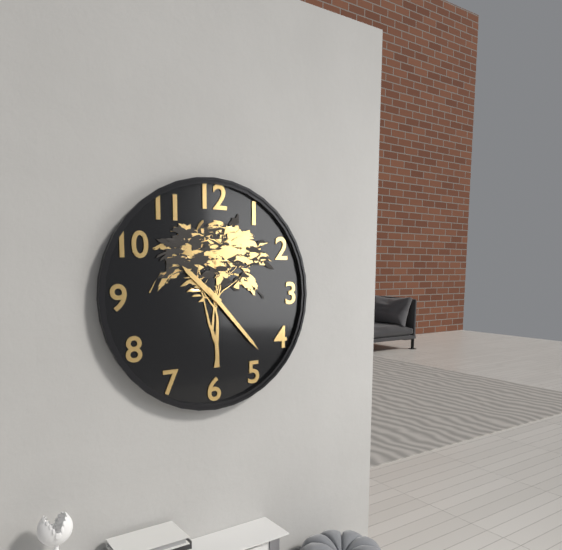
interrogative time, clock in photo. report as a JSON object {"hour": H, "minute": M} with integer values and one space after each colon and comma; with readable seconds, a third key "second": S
{"hour": 10, "minute": 23}
